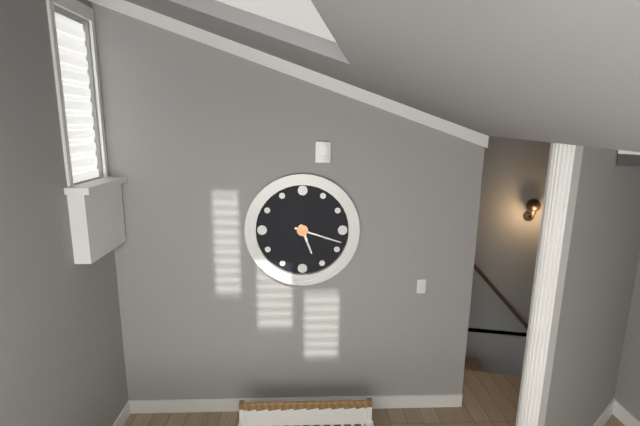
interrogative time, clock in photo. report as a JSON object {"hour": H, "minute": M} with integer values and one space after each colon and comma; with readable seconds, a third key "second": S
{"hour": 5, "minute": 18}
